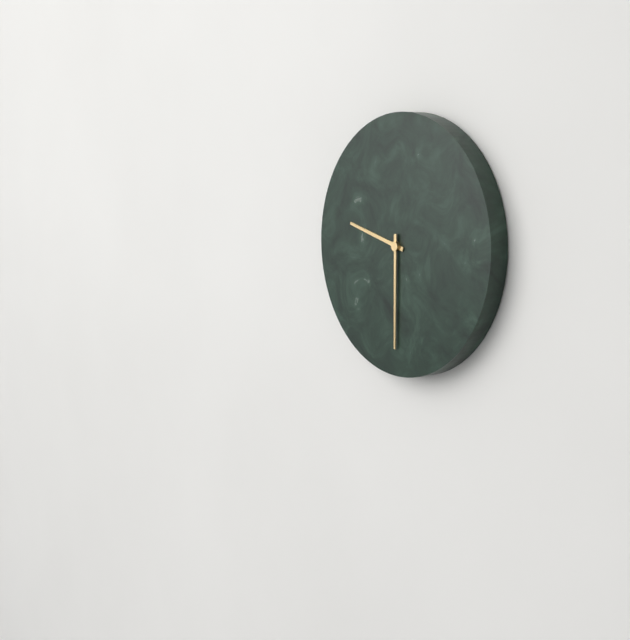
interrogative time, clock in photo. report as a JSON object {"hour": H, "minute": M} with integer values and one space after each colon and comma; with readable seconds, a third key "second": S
{"hour": 9, "minute": 30}
